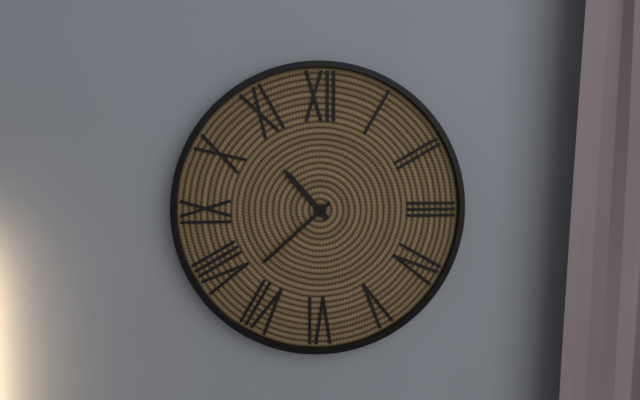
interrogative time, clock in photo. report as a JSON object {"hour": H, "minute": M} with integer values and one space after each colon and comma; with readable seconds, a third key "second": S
{"hour": 10, "minute": 38}
